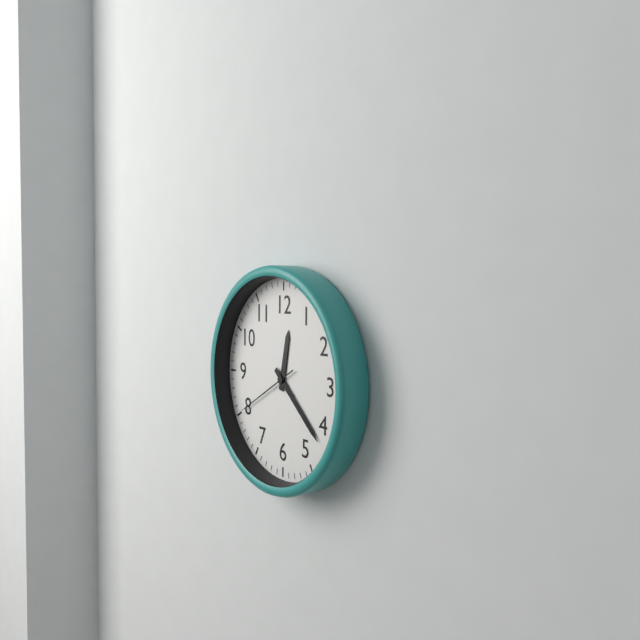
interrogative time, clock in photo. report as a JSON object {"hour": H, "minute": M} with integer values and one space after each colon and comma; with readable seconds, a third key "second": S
{"hour": 12, "minute": 22, "second": 40}
